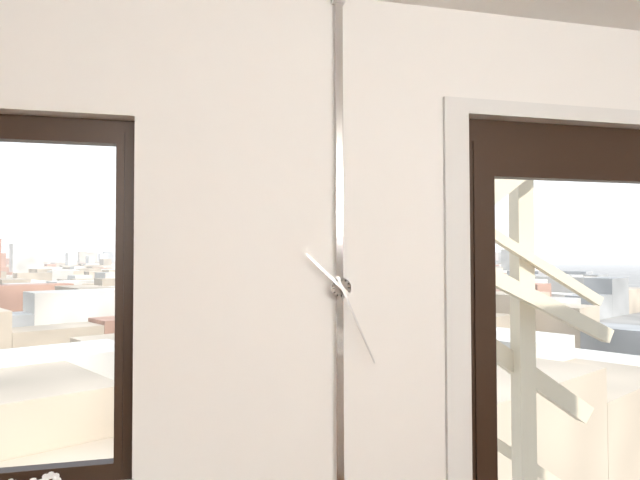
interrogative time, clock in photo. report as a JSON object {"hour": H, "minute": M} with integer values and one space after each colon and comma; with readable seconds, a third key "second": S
{"hour": 10, "minute": 26}
